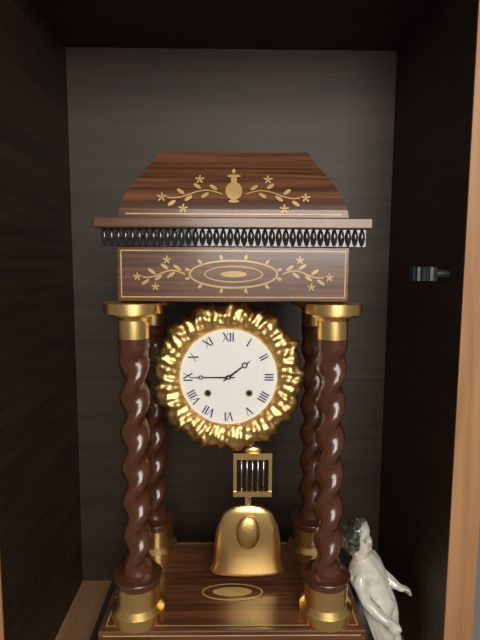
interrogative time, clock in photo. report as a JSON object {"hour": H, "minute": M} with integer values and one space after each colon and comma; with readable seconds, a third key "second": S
{"hour": 1, "minute": 45}
